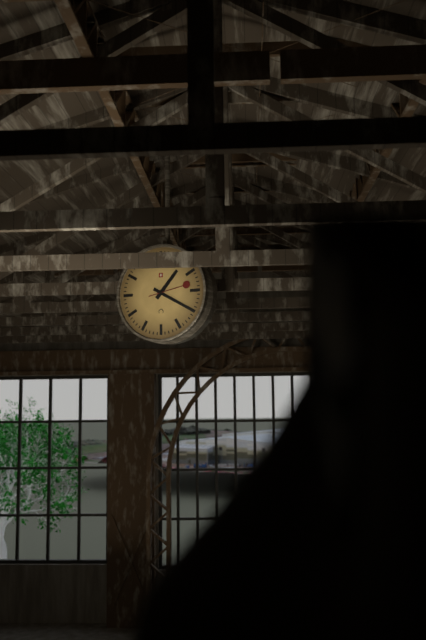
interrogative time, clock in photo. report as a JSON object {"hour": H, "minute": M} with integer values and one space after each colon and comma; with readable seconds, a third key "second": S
{"hour": 1, "minute": 20}
